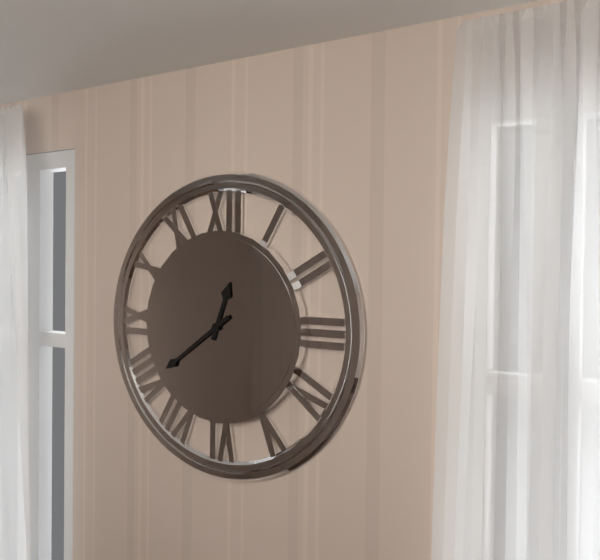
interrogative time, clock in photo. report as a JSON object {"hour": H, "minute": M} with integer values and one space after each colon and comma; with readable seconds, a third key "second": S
{"hour": 12, "minute": 39}
